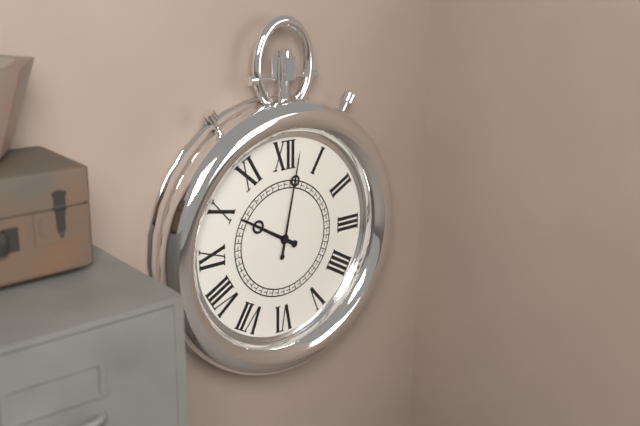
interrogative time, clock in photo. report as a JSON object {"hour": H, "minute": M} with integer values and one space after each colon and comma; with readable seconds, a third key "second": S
{"hour": 10, "minute": 2}
